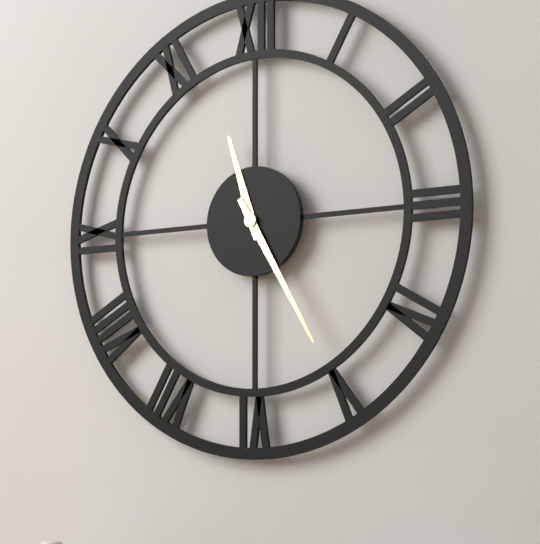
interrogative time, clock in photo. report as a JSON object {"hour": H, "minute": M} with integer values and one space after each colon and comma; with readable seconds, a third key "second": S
{"hour": 11, "minute": 25}
